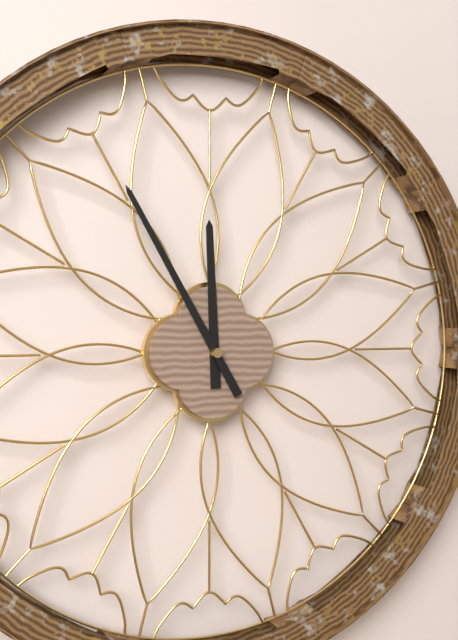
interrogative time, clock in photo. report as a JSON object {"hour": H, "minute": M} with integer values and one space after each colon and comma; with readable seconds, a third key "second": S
{"hour": 11, "minute": 55}
